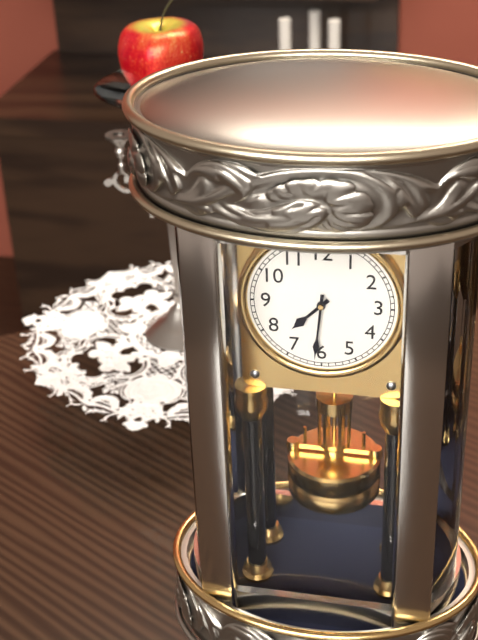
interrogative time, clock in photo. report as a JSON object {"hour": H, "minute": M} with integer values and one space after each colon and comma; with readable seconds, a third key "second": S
{"hour": 7, "minute": 31}
